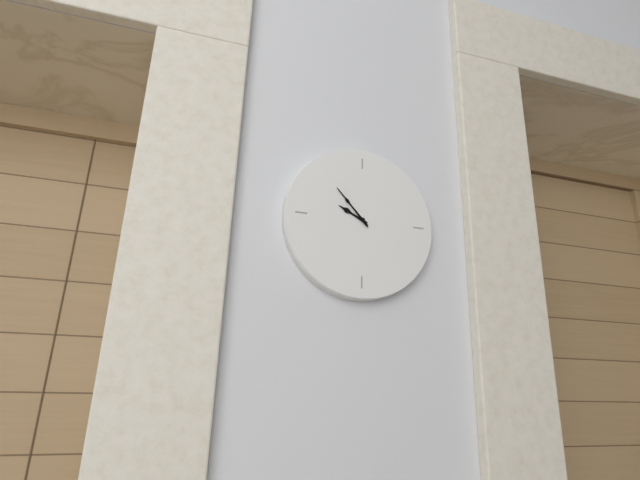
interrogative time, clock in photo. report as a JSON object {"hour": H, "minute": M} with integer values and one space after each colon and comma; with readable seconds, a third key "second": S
{"hour": 9, "minute": 53}
